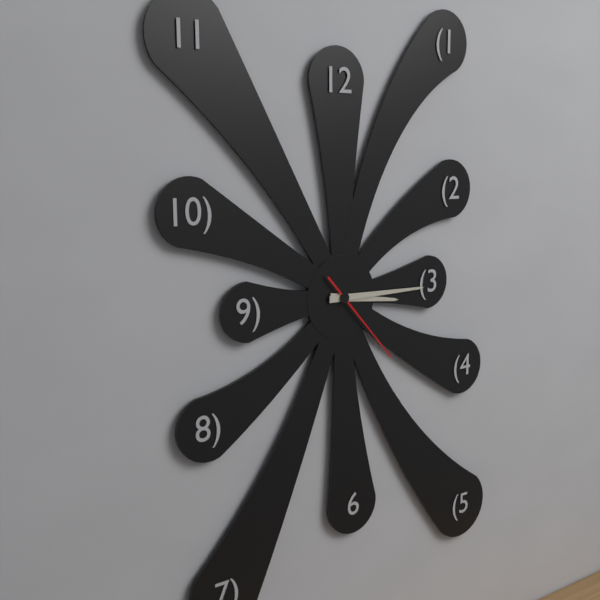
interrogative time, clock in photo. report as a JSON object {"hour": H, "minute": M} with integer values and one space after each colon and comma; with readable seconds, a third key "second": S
{"hour": 3, "minute": 15, "second": 23}
